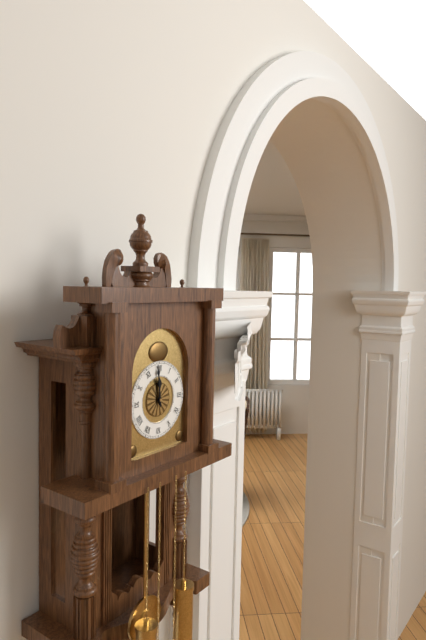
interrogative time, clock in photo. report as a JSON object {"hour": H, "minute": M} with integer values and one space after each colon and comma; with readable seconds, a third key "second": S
{"hour": 11, "minute": 59}
